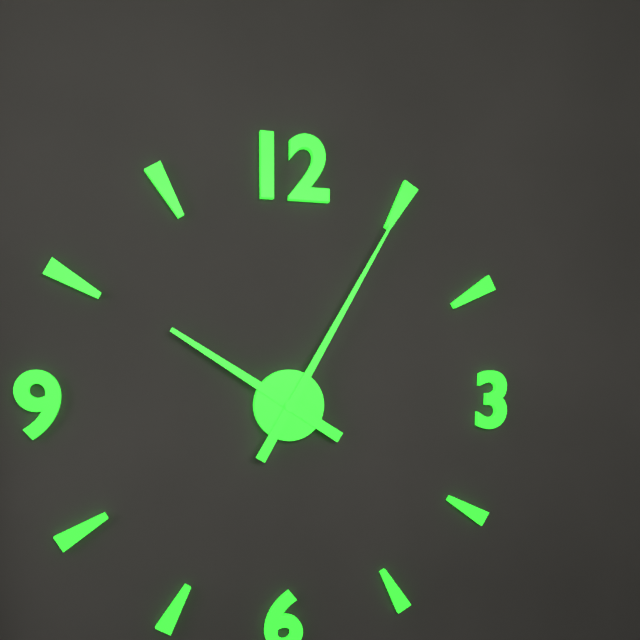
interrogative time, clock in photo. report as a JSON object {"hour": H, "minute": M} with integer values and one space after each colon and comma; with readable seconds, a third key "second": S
{"hour": 10, "minute": 5}
